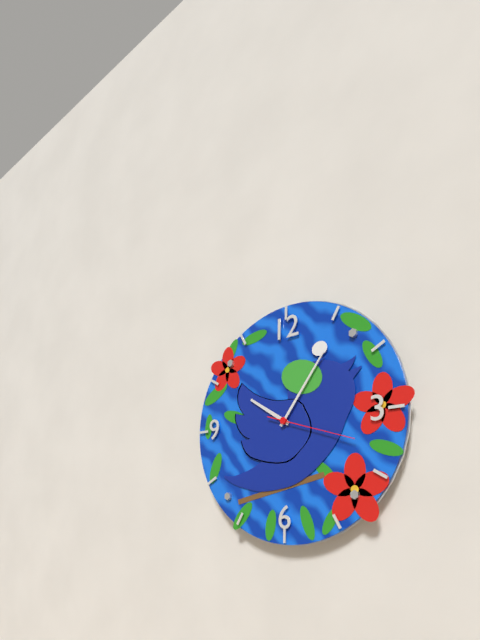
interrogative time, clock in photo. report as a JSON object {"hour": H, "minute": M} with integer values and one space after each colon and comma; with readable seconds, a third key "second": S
{"hour": 10, "minute": 6, "second": 18}
